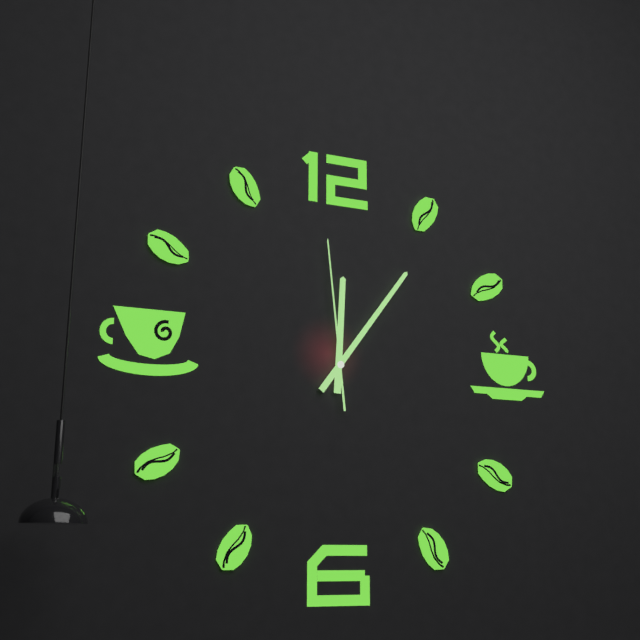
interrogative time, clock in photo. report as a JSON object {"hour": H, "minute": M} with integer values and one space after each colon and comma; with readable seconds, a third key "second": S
{"hour": 12, "minute": 6, "second": 59}
